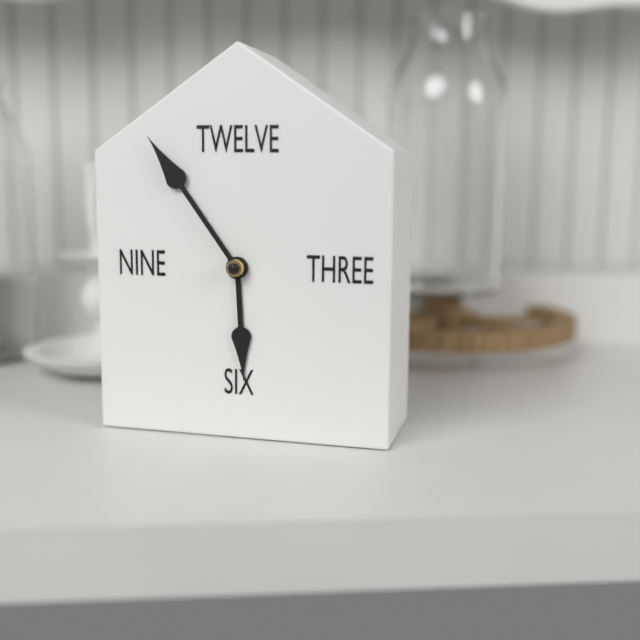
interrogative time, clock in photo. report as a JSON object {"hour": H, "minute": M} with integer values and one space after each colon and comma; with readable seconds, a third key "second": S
{"hour": 5, "minute": 54}
